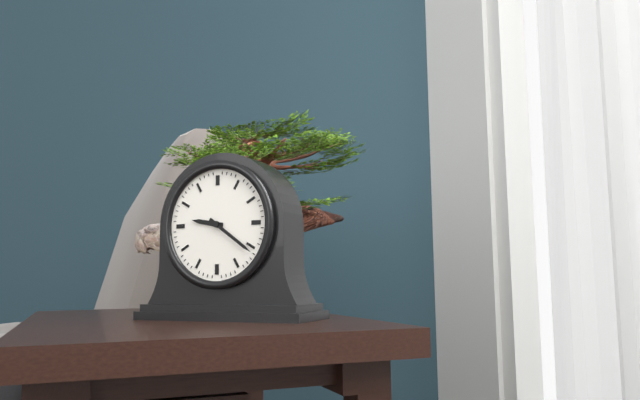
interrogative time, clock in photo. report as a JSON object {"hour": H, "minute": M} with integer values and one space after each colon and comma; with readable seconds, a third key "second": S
{"hour": 9, "minute": 21}
